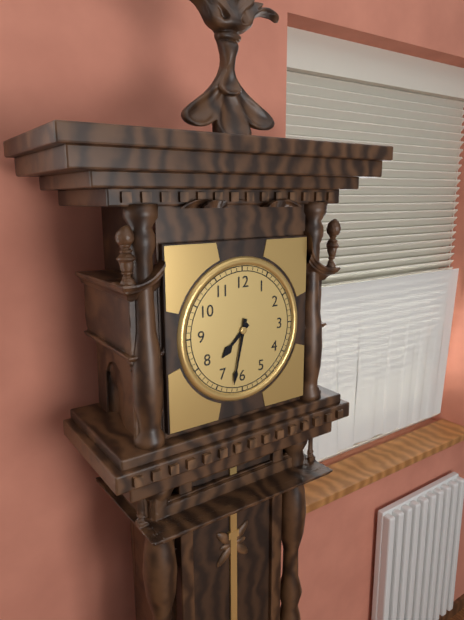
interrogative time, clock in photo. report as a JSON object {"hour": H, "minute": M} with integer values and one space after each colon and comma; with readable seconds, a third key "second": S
{"hour": 7, "minute": 32}
